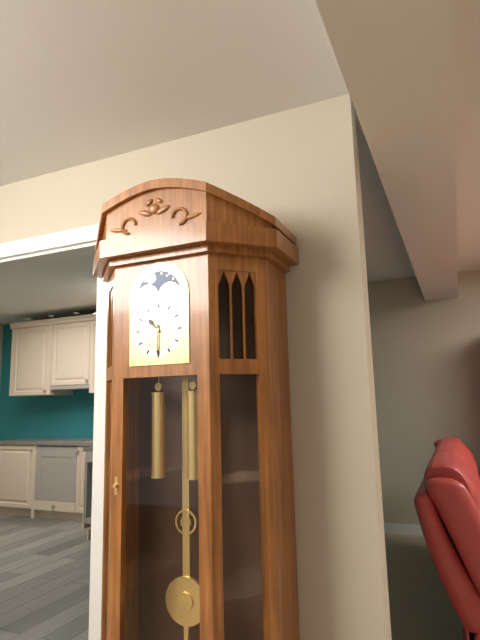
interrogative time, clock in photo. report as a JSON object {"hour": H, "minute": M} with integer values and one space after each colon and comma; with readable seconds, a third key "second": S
{"hour": 10, "minute": 30}
